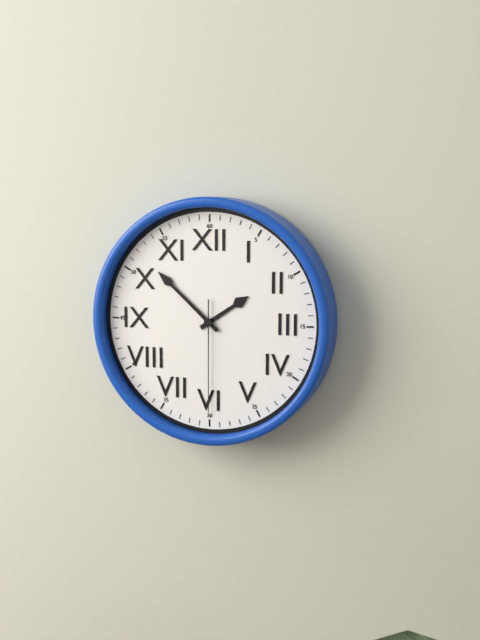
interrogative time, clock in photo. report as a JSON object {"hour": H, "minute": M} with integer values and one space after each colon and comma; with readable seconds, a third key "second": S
{"hour": 1, "minute": 52, "second": 30}
